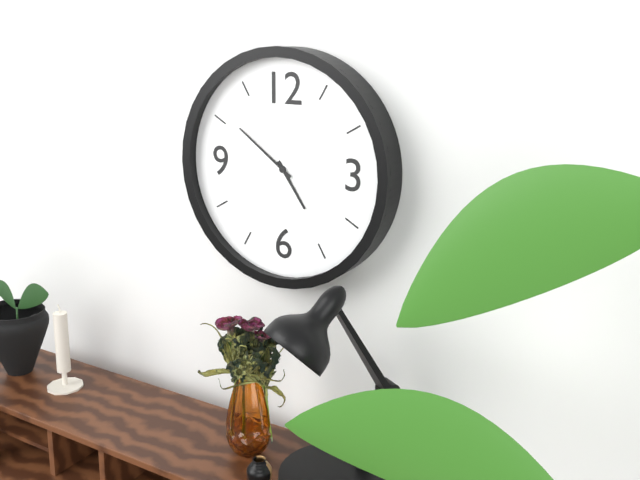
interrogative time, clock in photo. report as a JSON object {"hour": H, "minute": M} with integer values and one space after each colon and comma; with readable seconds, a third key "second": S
{"hour": 4, "minute": 51}
